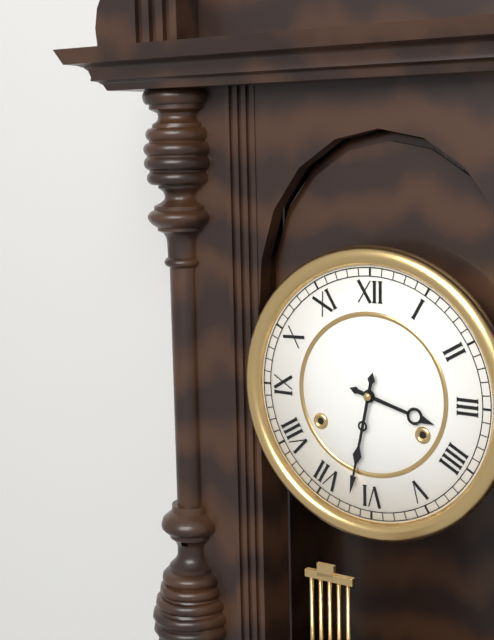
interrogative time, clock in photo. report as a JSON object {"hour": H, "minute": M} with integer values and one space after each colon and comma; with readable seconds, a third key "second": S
{"hour": 3, "minute": 32}
